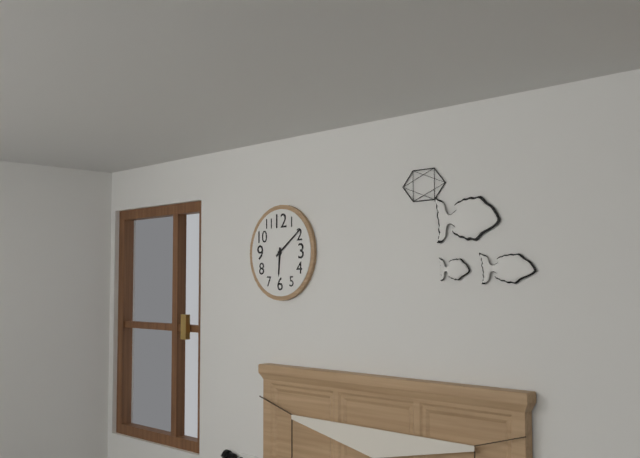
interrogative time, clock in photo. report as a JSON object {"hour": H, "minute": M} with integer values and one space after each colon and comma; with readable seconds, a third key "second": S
{"hour": 6, "minute": 9}
